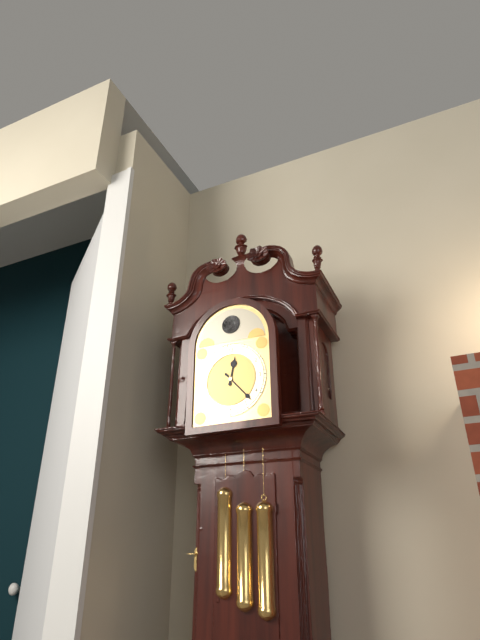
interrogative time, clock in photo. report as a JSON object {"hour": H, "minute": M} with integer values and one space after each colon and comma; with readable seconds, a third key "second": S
{"hour": 12, "minute": 23}
